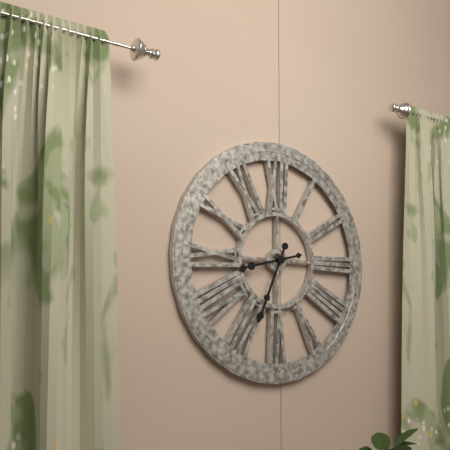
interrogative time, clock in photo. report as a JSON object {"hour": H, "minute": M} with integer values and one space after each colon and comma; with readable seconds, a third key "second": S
{"hour": 8, "minute": 34}
